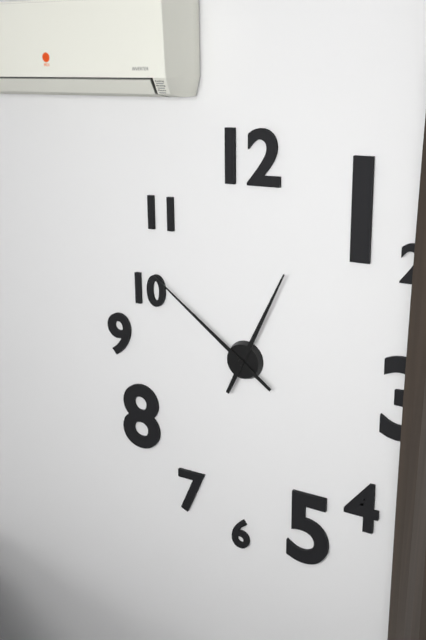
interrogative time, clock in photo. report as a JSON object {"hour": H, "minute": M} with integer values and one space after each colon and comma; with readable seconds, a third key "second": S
{"hour": 12, "minute": 51}
